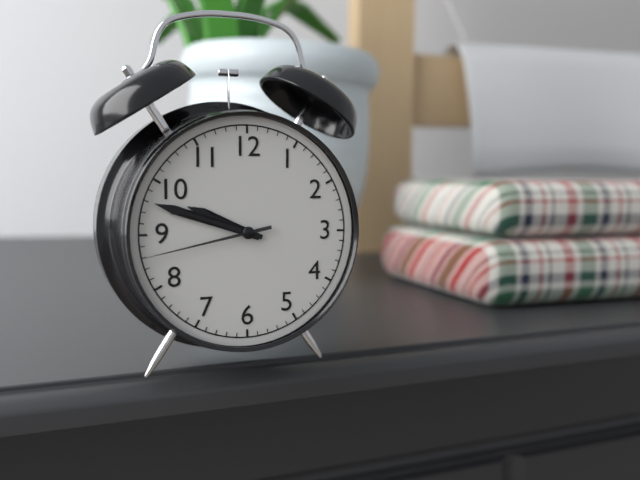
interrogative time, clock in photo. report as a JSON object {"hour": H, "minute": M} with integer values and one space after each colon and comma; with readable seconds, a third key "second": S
{"hour": 9, "minute": 48, "second": 43}
